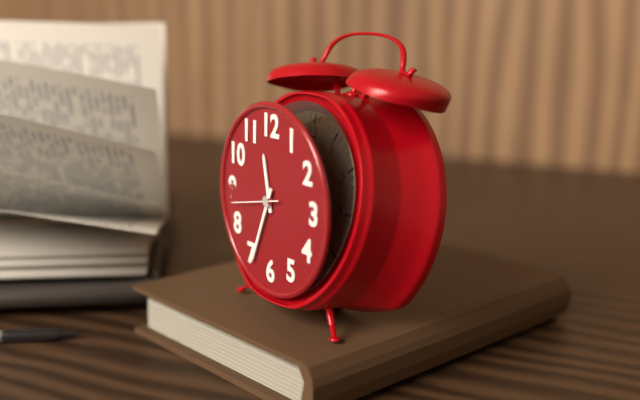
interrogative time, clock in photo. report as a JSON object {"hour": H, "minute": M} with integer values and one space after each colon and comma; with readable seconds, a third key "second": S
{"hour": 11, "minute": 34, "second": 43}
